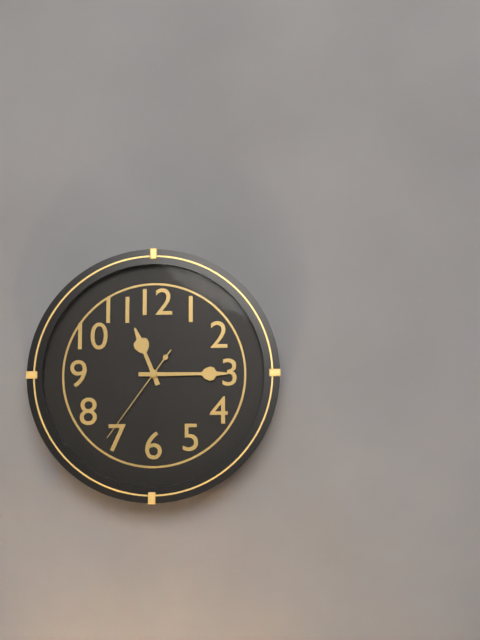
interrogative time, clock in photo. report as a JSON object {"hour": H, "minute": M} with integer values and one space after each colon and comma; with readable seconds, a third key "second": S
{"hour": 11, "minute": 15, "second": 36}
